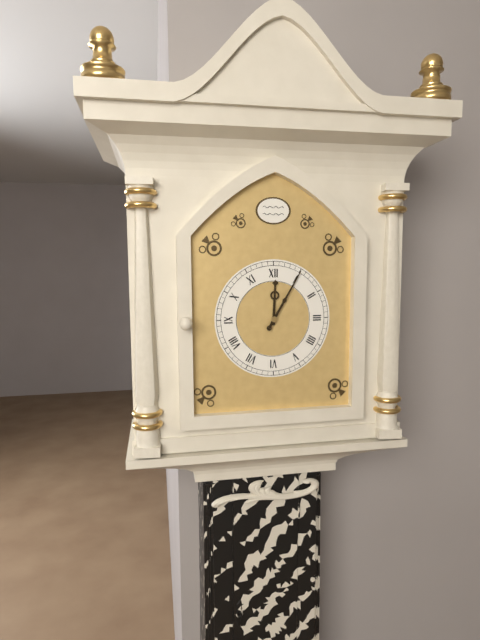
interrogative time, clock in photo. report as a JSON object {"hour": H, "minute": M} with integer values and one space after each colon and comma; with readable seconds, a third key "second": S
{"hour": 12, "minute": 5}
